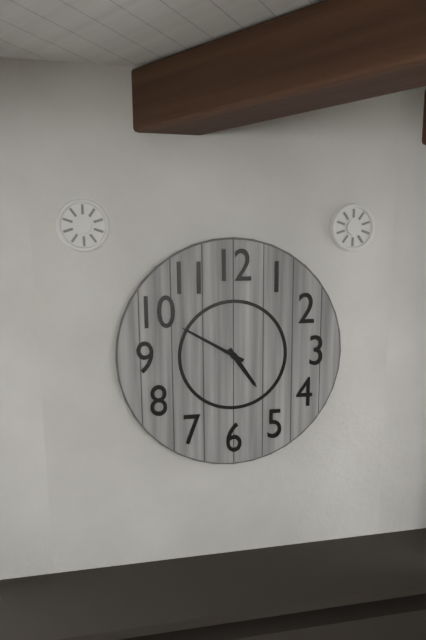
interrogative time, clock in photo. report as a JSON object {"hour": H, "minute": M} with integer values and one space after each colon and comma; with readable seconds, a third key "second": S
{"hour": 4, "minute": 50}
